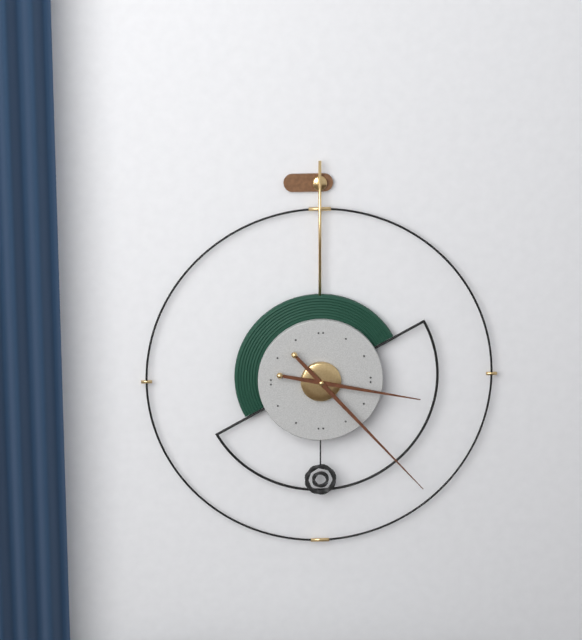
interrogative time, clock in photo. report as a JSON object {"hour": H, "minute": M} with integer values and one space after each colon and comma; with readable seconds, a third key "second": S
{"hour": 3, "minute": 23}
